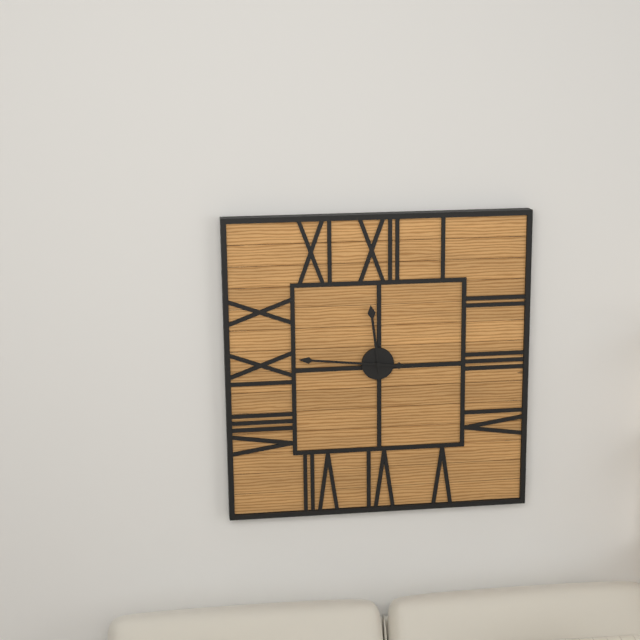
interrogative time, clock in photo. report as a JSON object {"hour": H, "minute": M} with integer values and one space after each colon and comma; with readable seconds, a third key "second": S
{"hour": 11, "minute": 46}
